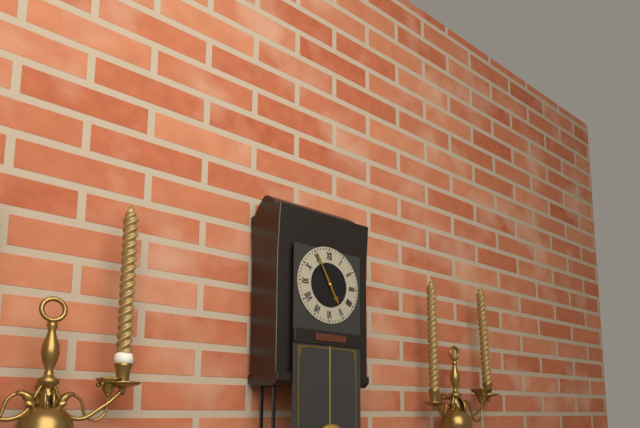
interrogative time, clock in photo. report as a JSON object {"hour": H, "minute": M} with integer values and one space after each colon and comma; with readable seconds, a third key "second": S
{"hour": 4, "minute": 55}
